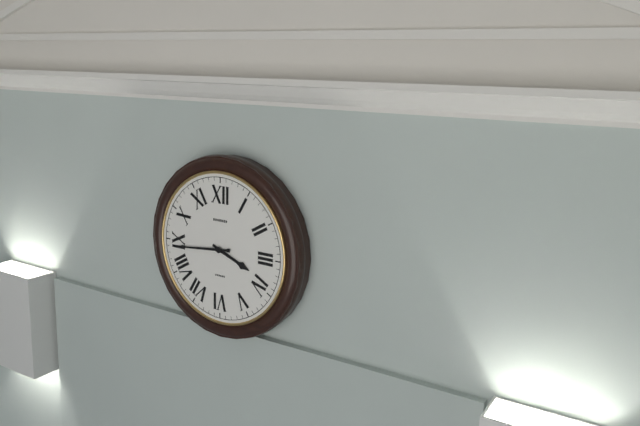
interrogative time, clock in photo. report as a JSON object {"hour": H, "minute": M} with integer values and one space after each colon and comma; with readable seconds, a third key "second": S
{"hour": 3, "minute": 44}
